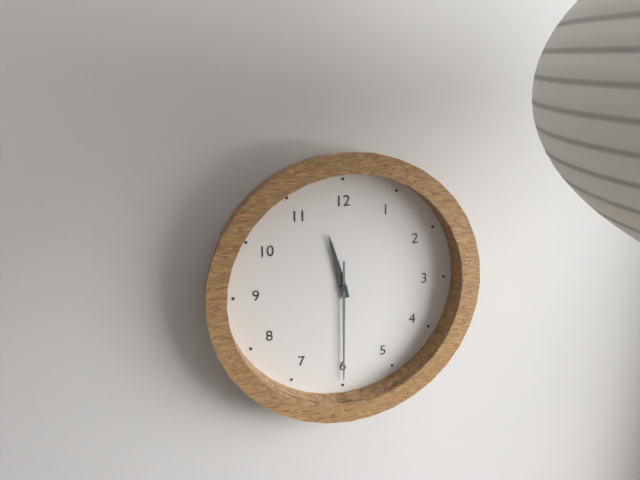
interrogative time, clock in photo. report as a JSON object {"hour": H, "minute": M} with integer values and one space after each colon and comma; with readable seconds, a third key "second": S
{"hour": 11, "minute": 30}
